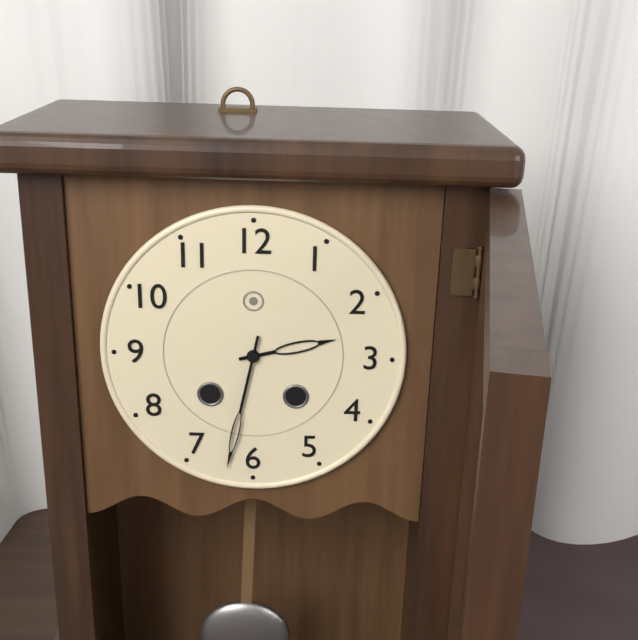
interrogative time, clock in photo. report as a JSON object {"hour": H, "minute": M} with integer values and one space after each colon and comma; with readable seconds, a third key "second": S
{"hour": 2, "minute": 32}
